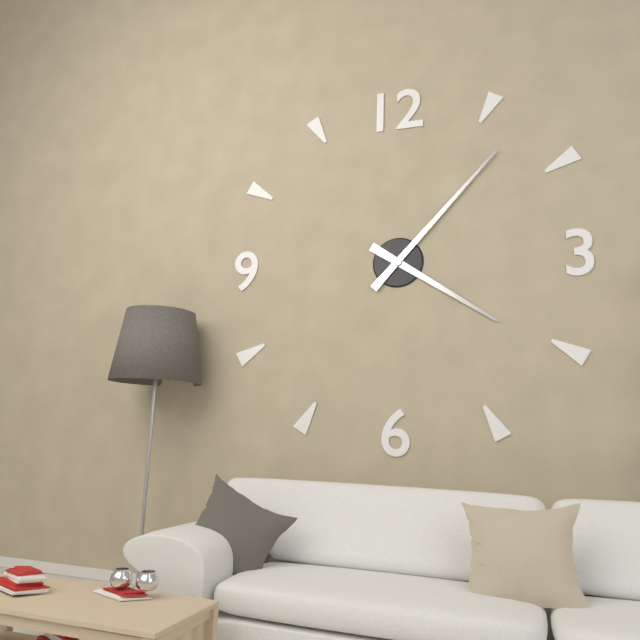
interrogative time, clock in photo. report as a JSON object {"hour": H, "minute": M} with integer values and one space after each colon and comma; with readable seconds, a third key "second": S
{"hour": 4, "minute": 7}
